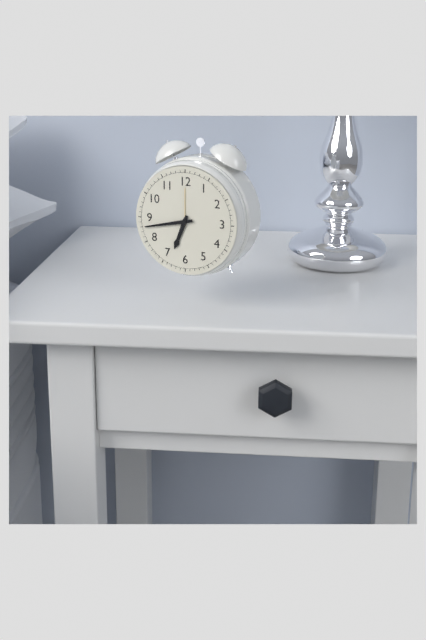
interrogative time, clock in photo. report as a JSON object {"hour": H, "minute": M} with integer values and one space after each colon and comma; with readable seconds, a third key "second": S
{"hour": 6, "minute": 43}
